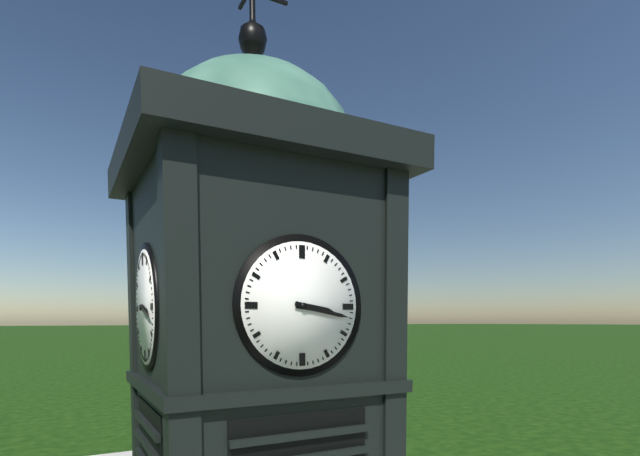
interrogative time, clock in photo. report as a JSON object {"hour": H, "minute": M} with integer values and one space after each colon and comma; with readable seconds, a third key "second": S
{"hour": 3, "minute": 17}
